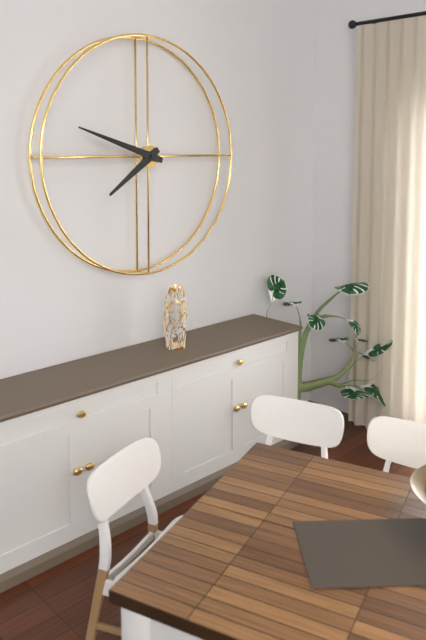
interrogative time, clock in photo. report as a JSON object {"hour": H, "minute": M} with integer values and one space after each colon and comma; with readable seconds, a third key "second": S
{"hour": 7, "minute": 48}
